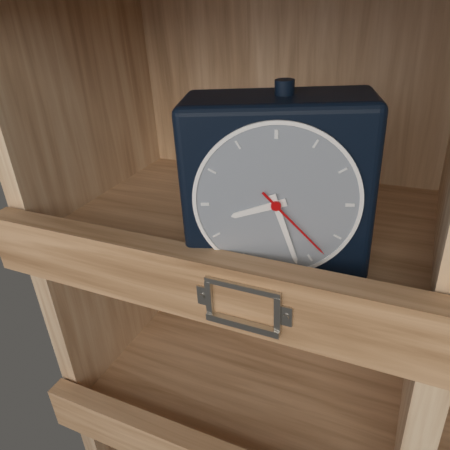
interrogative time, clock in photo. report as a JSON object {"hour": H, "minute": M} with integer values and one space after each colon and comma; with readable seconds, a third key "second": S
{"hour": 8, "minute": 27, "second": 23}
